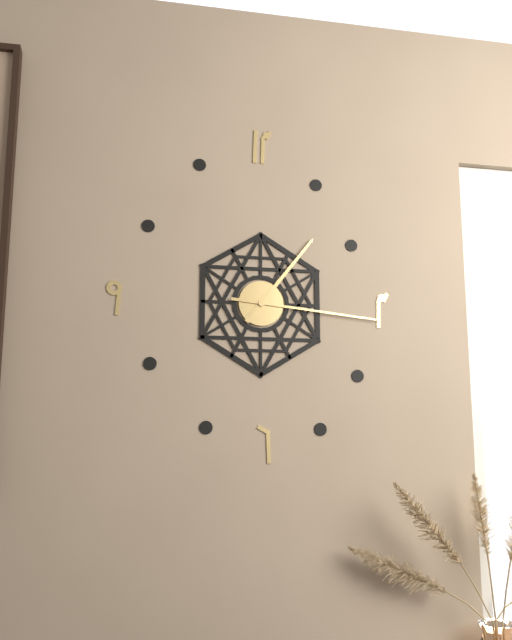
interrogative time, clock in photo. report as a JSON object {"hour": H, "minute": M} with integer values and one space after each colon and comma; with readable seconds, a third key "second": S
{"hour": 1, "minute": 16}
